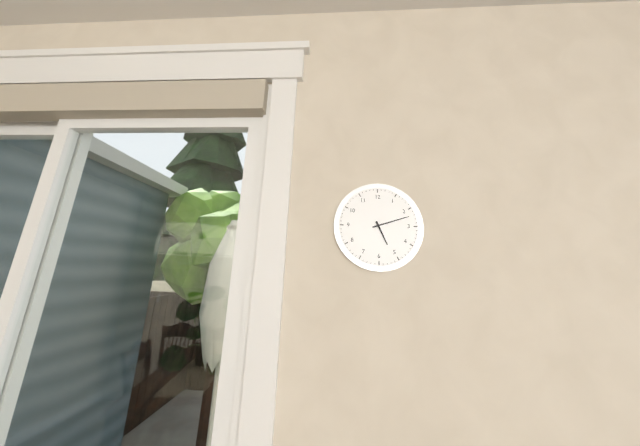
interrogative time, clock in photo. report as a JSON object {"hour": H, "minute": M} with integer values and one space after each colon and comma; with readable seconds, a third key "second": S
{"hour": 5, "minute": 12}
